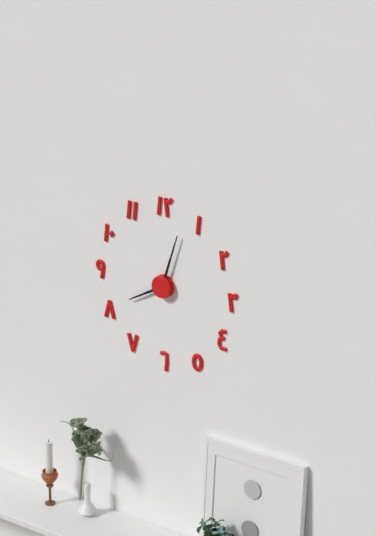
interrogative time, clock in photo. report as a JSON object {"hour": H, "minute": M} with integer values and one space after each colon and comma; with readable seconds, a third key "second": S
{"hour": 8, "minute": 3}
